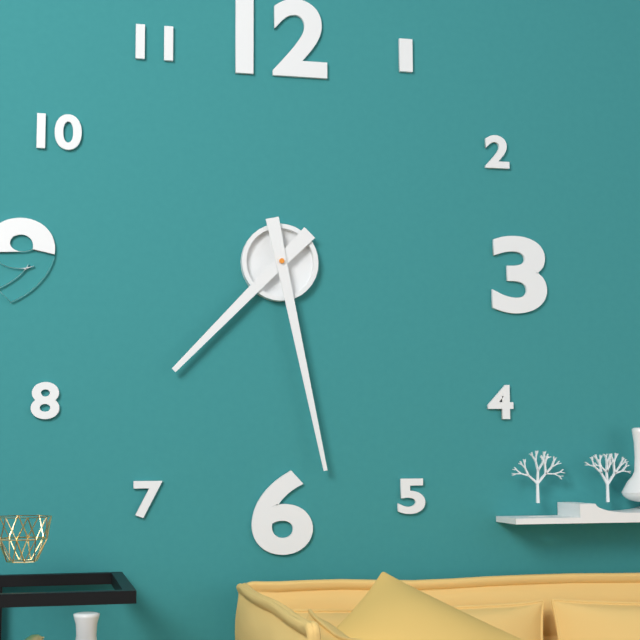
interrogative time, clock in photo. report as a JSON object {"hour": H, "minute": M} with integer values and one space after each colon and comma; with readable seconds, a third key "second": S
{"hour": 7, "minute": 28}
